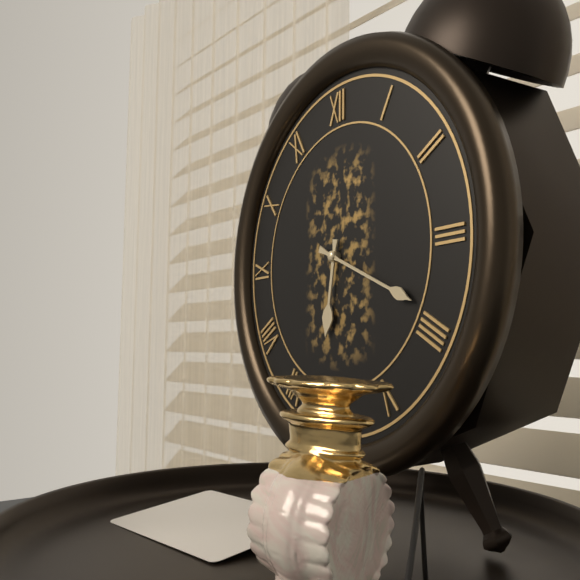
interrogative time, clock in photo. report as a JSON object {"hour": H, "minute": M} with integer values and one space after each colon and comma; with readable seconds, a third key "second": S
{"hour": 6, "minute": 19}
